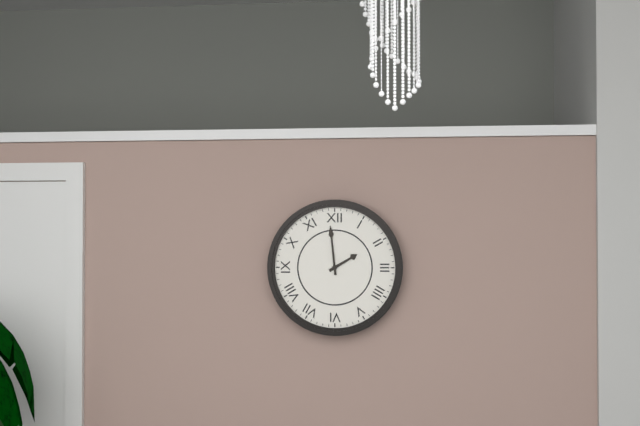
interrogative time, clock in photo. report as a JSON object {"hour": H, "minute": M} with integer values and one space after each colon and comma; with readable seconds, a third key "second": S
{"hour": 1, "minute": 59}
